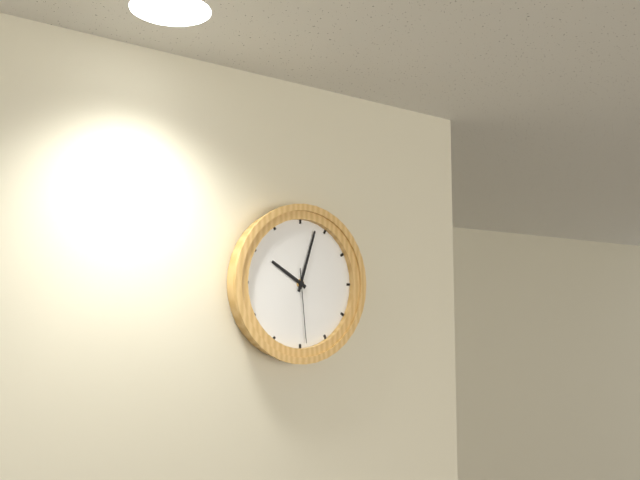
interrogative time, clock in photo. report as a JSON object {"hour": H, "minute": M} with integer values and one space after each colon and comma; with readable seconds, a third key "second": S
{"hour": 10, "minute": 3, "second": 29}
